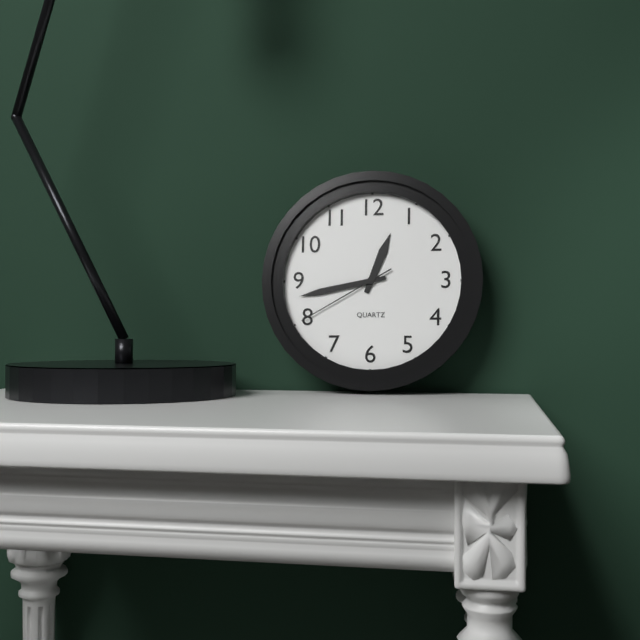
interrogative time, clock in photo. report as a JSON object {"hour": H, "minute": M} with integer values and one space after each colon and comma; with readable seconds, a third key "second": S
{"hour": 12, "minute": 43, "second": 40}
